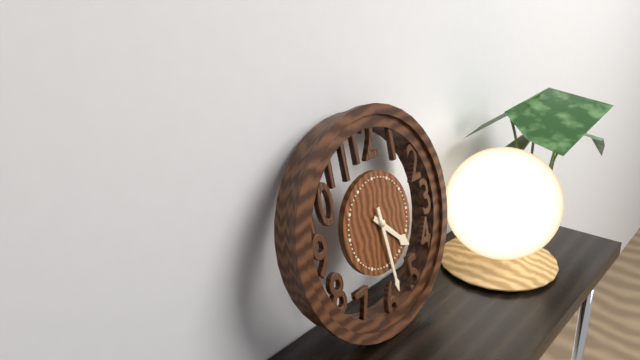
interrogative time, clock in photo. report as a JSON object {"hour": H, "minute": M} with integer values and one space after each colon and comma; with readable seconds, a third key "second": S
{"hour": 4, "minute": 29}
